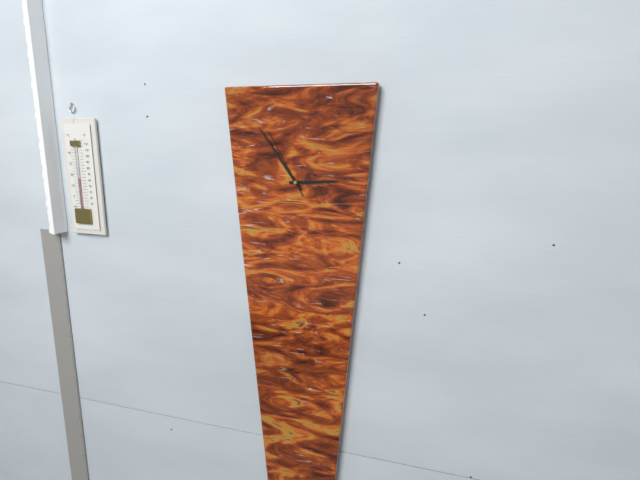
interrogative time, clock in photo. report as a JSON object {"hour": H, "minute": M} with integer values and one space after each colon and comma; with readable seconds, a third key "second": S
{"hour": 2, "minute": 54, "second": 55}
